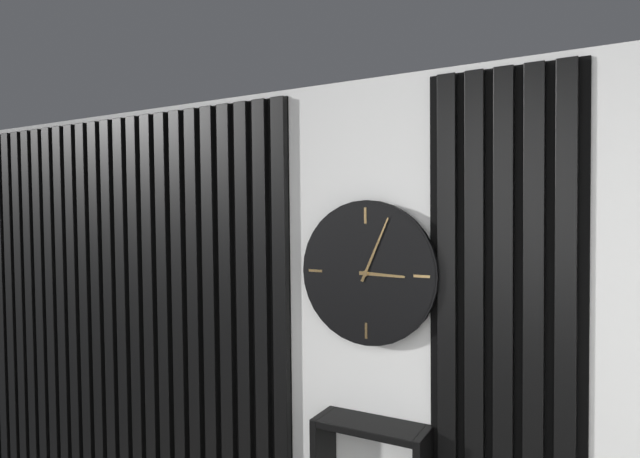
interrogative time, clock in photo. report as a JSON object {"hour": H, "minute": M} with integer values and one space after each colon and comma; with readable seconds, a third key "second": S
{"hour": 3, "minute": 4}
